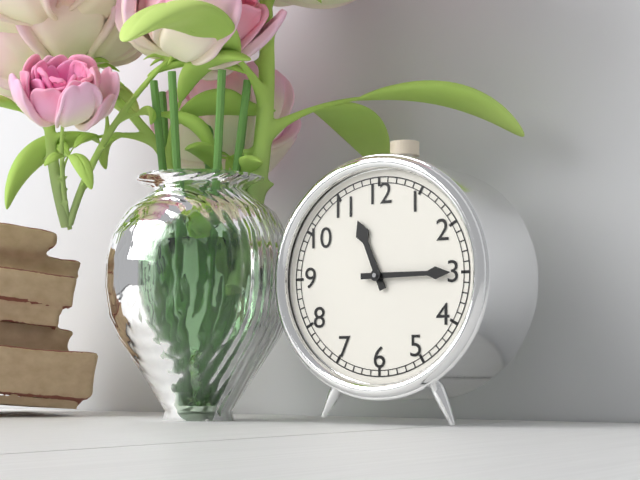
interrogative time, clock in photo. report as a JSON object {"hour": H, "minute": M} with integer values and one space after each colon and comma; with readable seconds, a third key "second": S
{"hour": 11, "minute": 15}
